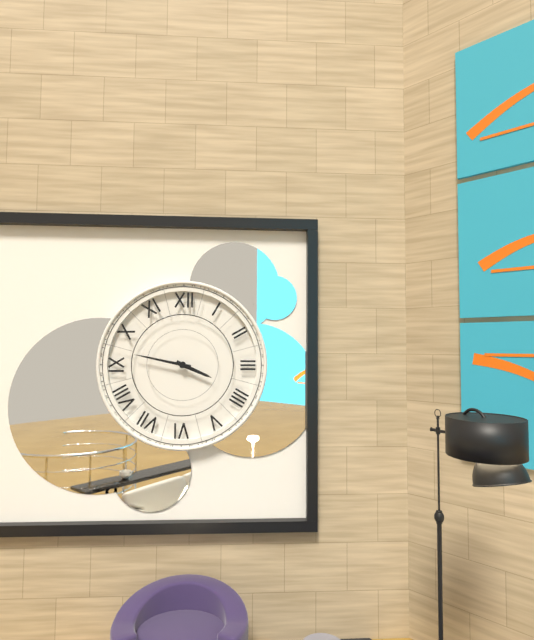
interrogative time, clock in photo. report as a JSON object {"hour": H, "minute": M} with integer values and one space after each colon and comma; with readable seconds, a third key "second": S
{"hour": 3, "minute": 47}
